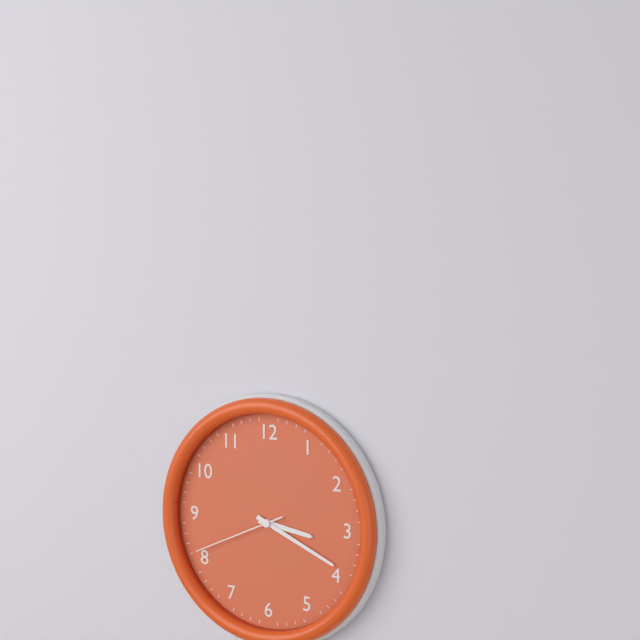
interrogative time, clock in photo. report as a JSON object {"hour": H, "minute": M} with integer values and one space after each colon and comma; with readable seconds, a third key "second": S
{"hour": 3, "minute": 19, "second": 41}
